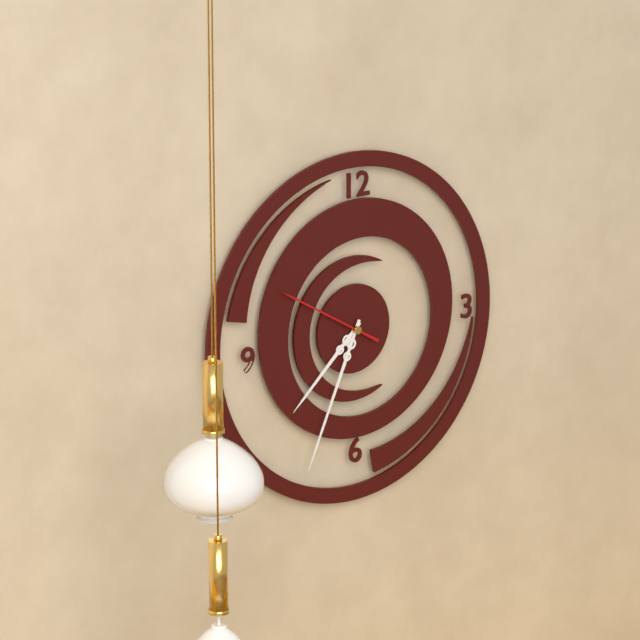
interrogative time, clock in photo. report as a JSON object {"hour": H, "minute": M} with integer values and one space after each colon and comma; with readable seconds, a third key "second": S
{"hour": 7, "minute": 34, "second": 50}
